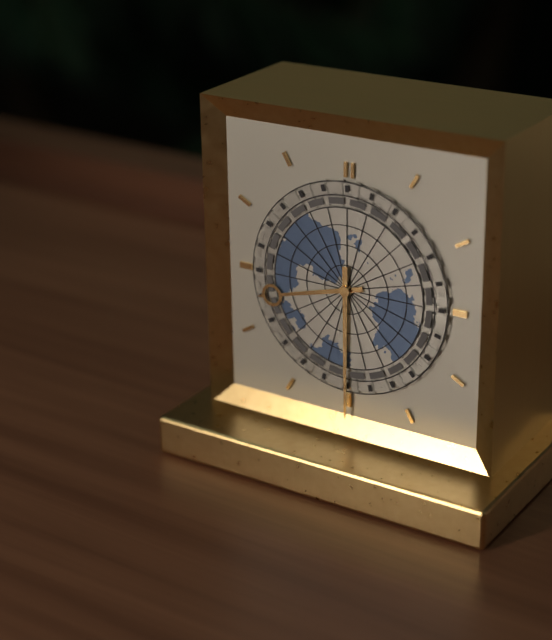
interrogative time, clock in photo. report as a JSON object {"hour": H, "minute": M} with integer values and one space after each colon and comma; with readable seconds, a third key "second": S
{"hour": 8, "minute": 30}
